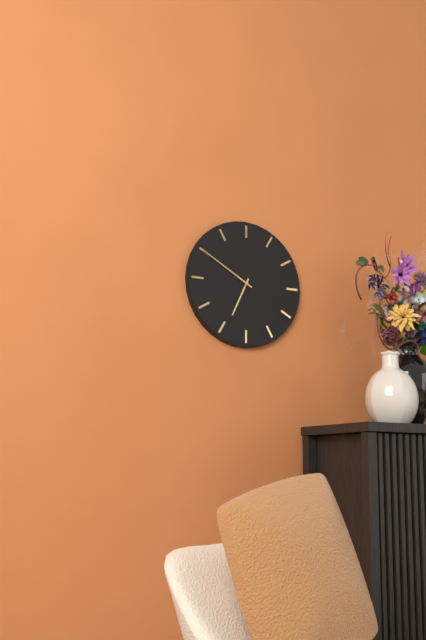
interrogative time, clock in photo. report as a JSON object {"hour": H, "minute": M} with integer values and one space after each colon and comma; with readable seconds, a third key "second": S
{"hour": 6, "minute": 50}
